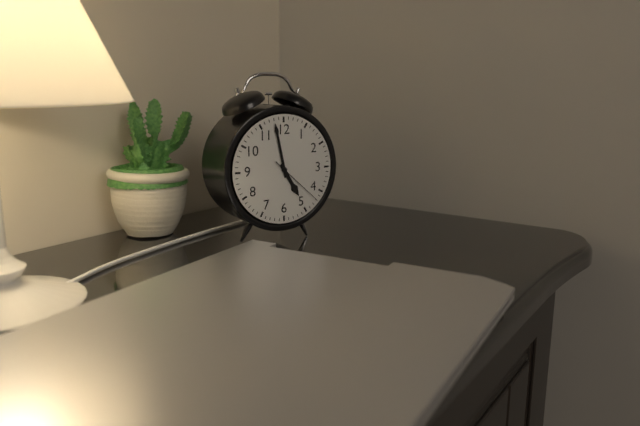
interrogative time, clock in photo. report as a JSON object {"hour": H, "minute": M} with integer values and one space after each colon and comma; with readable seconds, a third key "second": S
{"hour": 4, "minute": 58, "second": 22}
